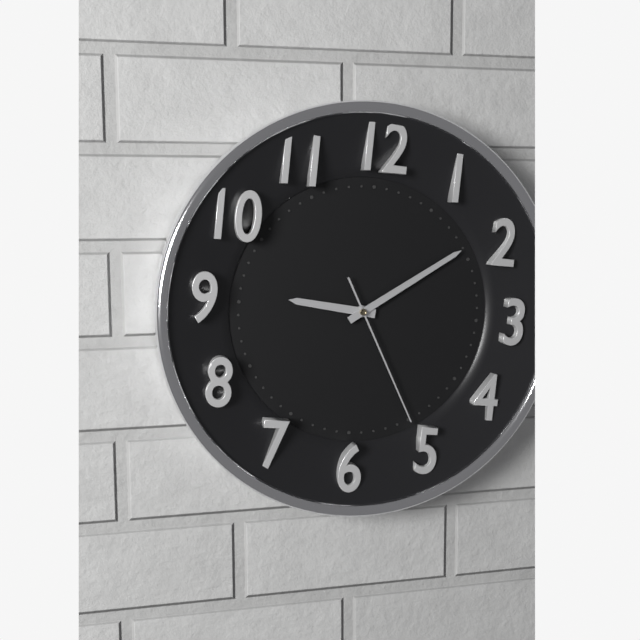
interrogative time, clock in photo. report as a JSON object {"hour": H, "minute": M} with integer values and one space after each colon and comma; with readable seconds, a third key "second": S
{"hour": 9, "minute": 9, "second": 25}
